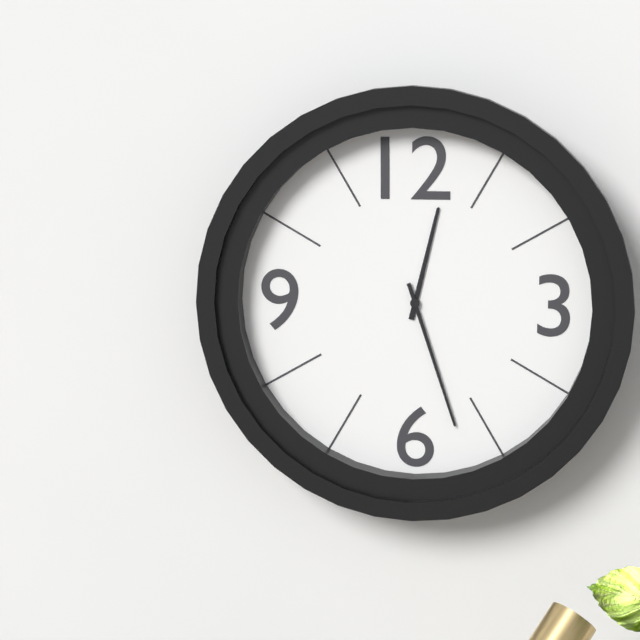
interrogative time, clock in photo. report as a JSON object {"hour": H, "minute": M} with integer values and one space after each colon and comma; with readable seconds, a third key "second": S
{"hour": 12, "minute": 27}
